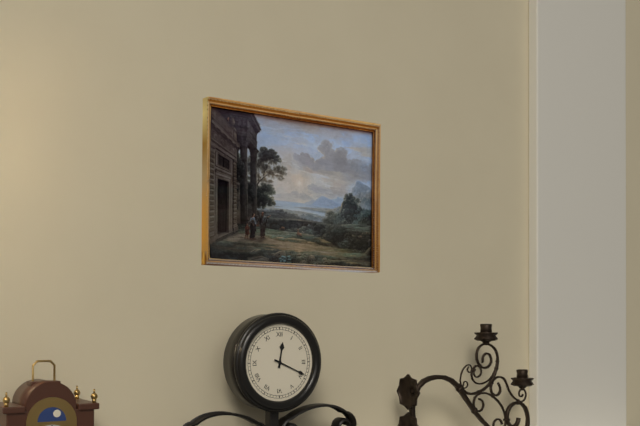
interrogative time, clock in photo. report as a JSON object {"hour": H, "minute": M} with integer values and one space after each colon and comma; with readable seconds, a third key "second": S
{"hour": 12, "minute": 19}
